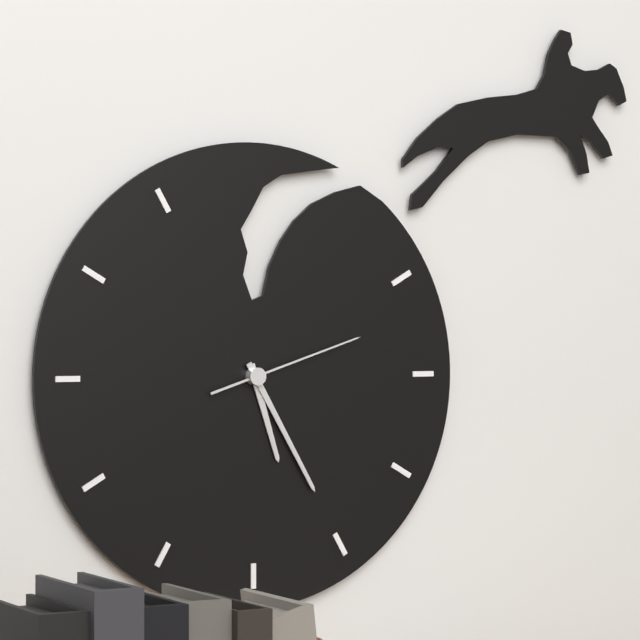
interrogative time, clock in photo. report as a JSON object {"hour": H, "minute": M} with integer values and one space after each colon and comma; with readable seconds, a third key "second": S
{"hour": 5, "minute": 25, "second": 12}
